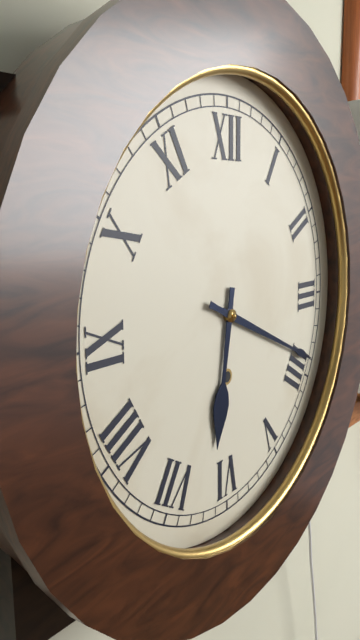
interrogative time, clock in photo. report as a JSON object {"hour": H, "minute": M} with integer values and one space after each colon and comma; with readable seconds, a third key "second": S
{"hour": 6, "minute": 19}
